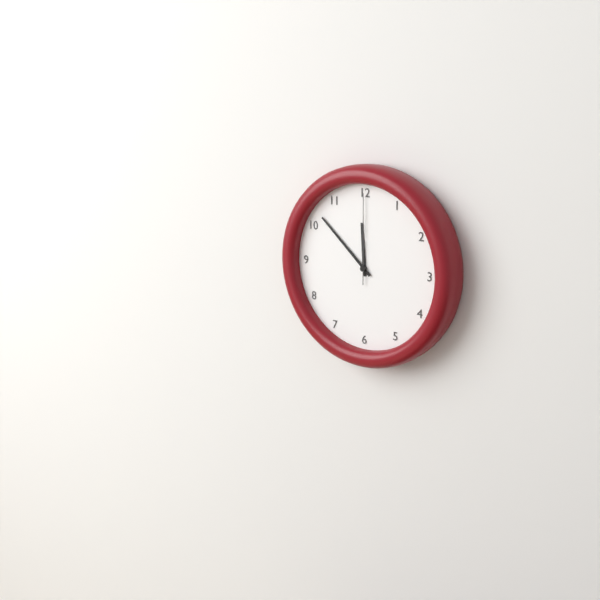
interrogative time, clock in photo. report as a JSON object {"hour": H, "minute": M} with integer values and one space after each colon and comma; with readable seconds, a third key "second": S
{"hour": 11, "minute": 52, "second": 0}
